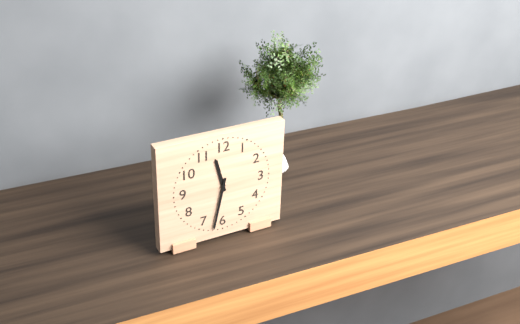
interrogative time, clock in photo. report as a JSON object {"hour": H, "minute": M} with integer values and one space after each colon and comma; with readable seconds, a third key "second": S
{"hour": 11, "minute": 32}
